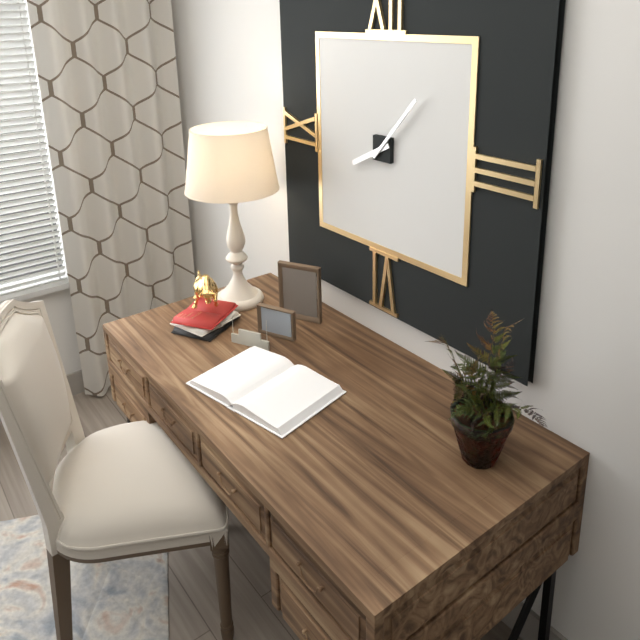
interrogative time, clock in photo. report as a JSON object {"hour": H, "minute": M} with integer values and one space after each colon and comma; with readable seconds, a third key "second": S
{"hour": 8, "minute": 7}
